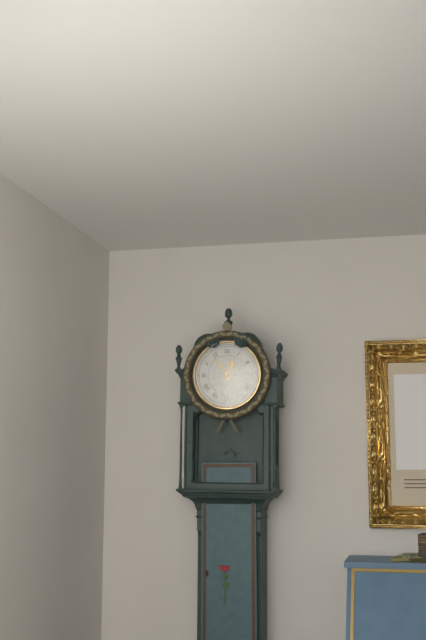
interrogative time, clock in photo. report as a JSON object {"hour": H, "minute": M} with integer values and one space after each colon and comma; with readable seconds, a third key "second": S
{"hour": 12, "minute": 54}
